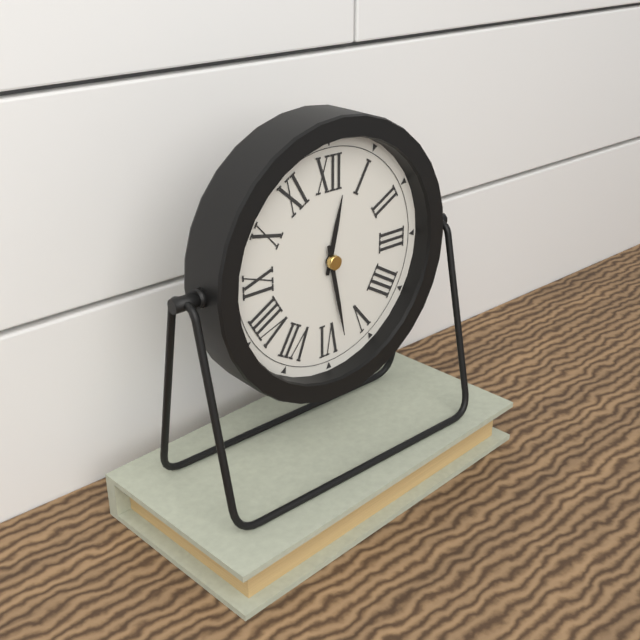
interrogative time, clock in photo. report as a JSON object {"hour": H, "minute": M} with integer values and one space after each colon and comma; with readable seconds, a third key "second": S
{"hour": 12, "minute": 28}
